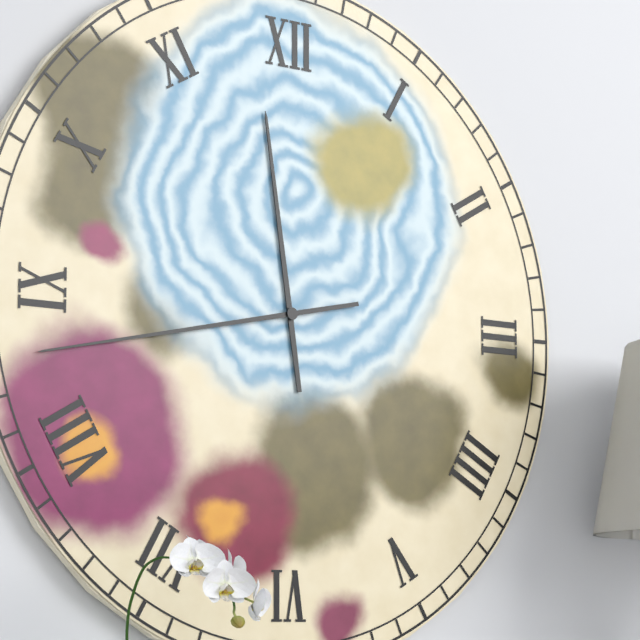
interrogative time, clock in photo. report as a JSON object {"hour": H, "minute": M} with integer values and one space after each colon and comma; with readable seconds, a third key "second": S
{"hour": 11, "minute": 43}
